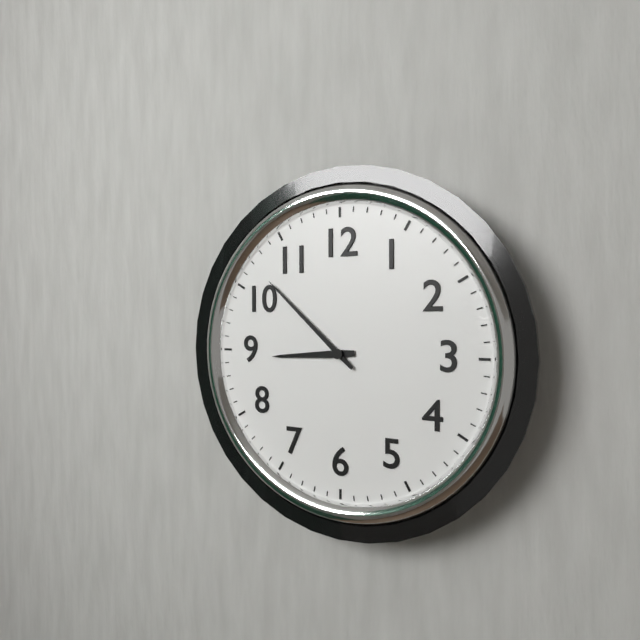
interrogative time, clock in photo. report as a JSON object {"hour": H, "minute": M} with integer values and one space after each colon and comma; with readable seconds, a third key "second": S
{"hour": 8, "minute": 52}
